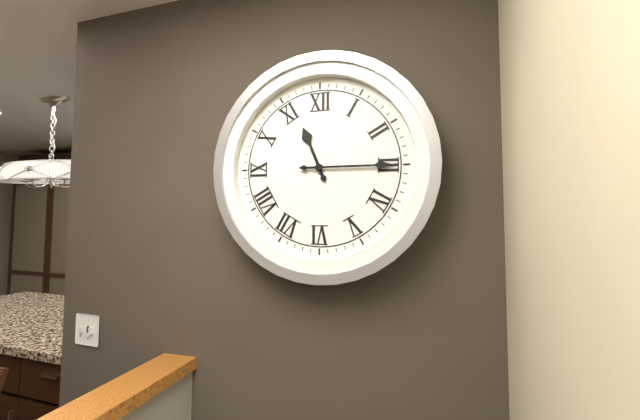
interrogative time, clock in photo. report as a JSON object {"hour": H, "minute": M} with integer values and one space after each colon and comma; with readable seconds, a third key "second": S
{"hour": 11, "minute": 15}
